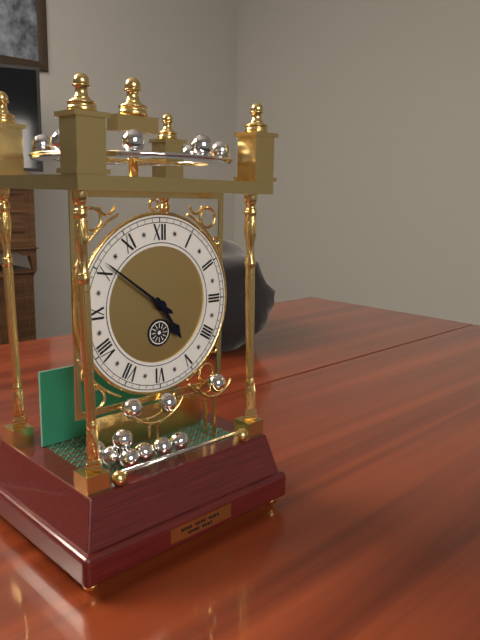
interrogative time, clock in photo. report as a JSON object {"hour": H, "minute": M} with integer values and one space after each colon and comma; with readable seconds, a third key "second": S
{"hour": 4, "minute": 51}
